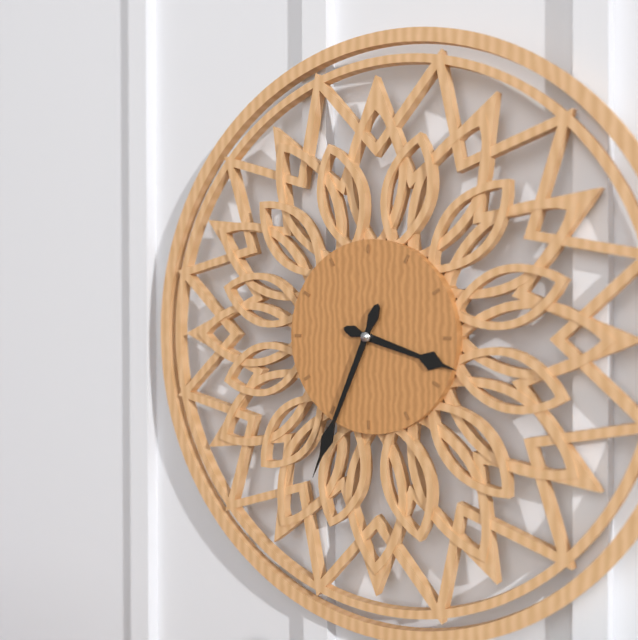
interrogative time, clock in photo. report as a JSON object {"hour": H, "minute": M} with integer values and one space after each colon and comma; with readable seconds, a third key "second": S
{"hour": 3, "minute": 34}
